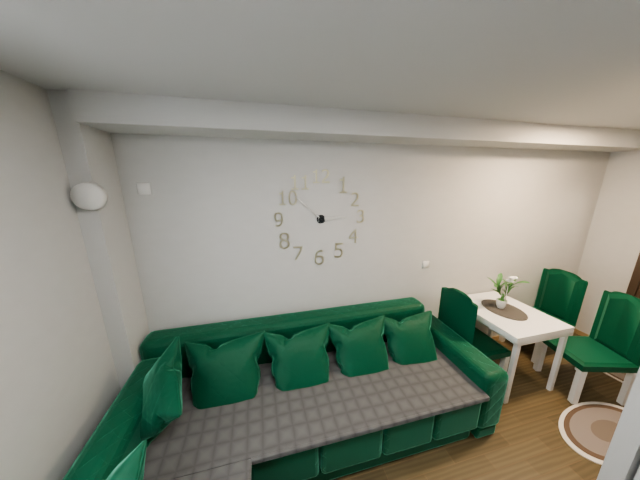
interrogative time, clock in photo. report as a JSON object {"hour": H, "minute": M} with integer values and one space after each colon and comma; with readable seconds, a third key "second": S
{"hour": 2, "minute": 52}
